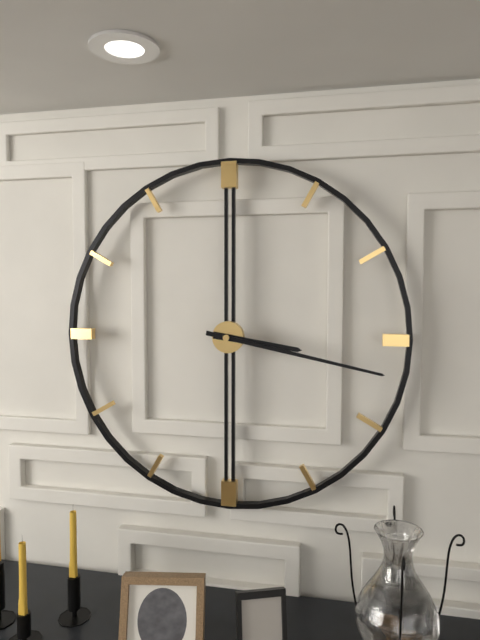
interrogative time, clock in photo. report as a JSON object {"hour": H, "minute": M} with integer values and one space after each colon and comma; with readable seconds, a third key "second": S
{"hour": 3, "minute": 17}
